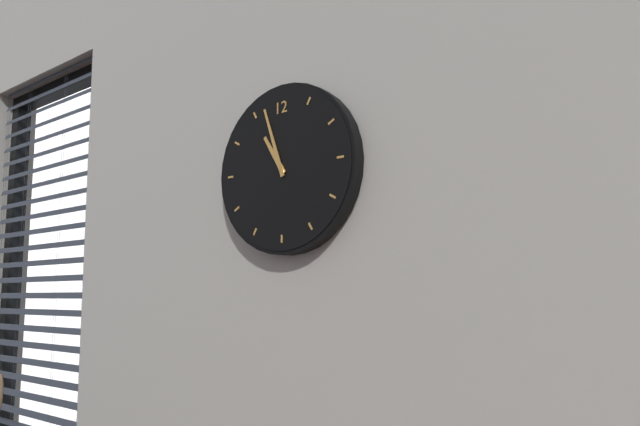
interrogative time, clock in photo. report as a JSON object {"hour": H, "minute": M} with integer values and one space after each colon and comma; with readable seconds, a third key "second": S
{"hour": 10, "minute": 57}
